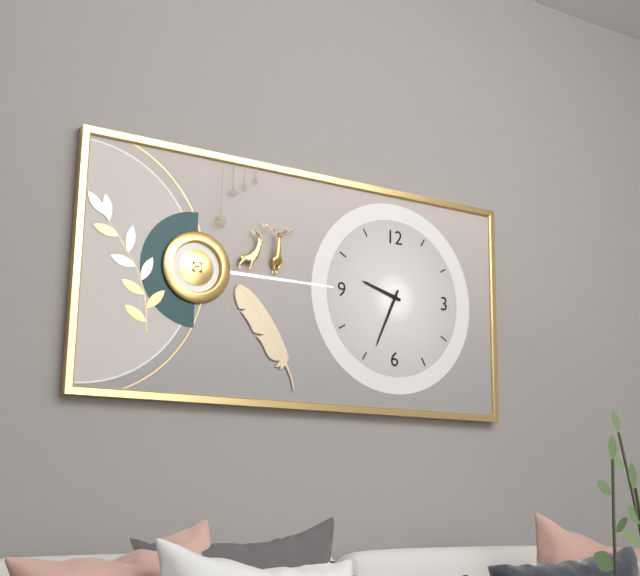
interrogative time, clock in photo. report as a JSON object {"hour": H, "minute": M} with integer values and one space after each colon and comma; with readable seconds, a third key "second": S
{"hour": 9, "minute": 34}
